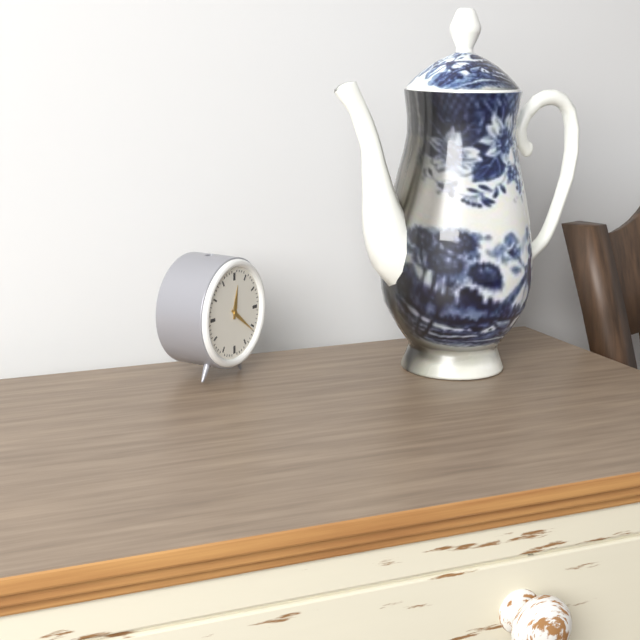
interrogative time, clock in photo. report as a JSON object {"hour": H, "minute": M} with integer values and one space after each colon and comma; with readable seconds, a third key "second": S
{"hour": 12, "minute": 21}
